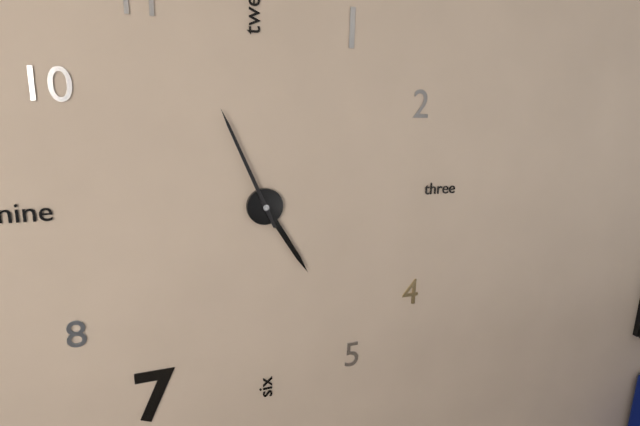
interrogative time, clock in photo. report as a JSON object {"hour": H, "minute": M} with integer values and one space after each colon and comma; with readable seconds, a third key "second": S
{"hour": 4, "minute": 56}
